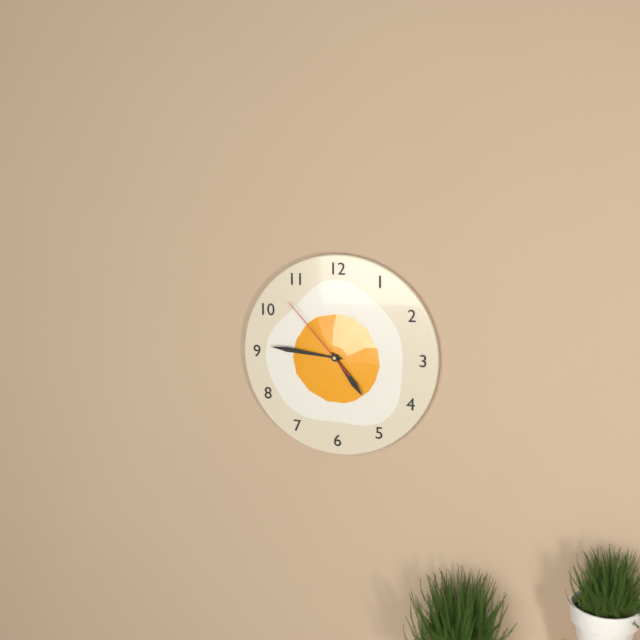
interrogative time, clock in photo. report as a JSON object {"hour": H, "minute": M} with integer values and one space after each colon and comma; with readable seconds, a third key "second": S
{"hour": 4, "minute": 46, "second": 53}
